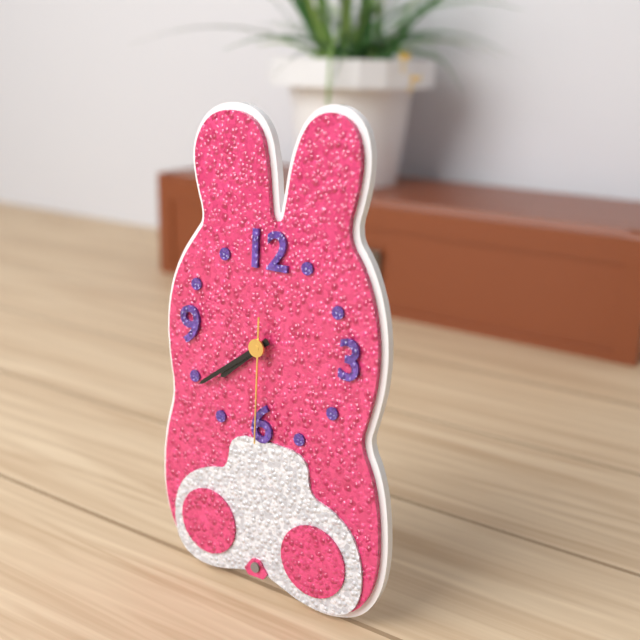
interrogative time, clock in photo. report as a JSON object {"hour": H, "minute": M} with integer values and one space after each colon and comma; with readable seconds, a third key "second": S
{"hour": 7, "minute": 39, "second": 30}
